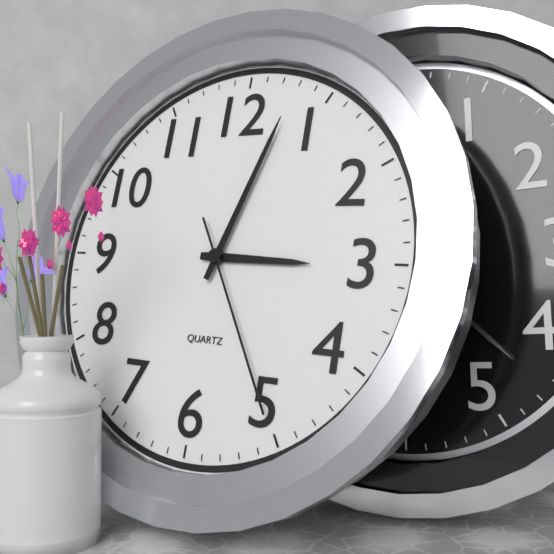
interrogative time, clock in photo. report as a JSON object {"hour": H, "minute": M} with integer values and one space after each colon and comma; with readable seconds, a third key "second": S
{"hour": 3, "minute": 3, "second": 25}
